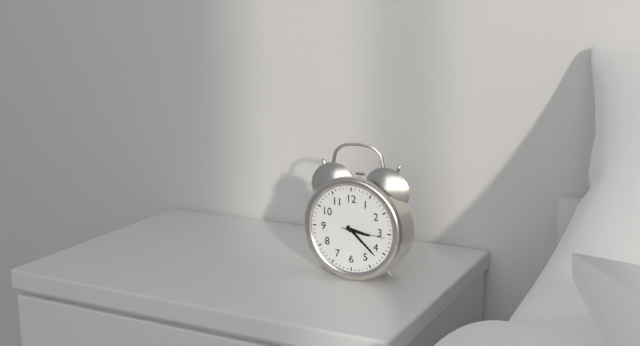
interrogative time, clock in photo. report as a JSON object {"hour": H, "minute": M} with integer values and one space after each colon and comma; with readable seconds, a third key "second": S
{"hour": 3, "minute": 22}
